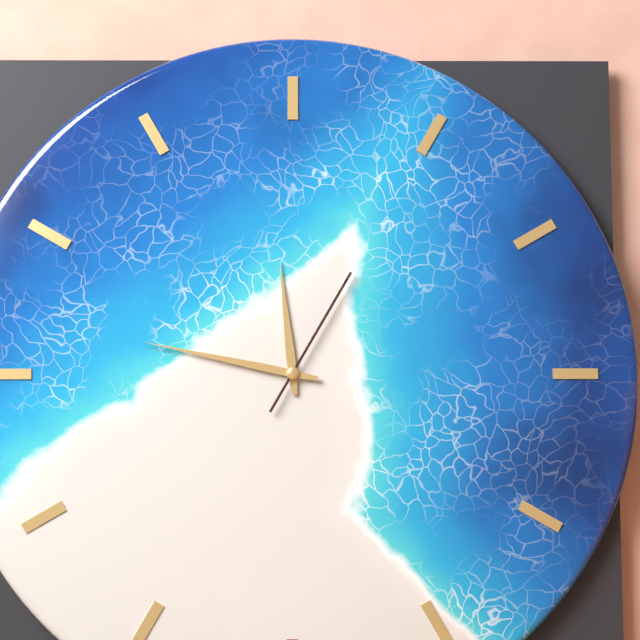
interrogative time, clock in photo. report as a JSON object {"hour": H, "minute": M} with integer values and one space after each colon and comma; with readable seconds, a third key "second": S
{"hour": 11, "minute": 47, "second": 5}
